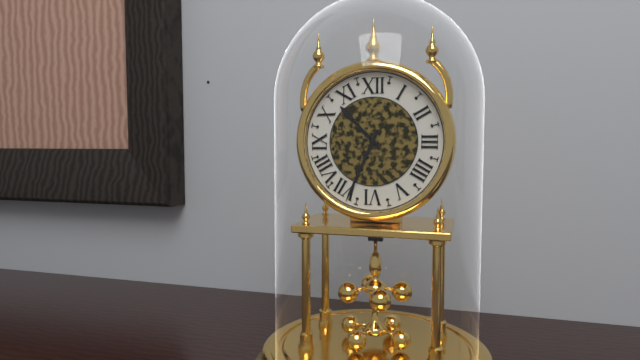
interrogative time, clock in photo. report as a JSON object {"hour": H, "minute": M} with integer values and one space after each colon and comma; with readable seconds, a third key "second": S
{"hour": 10, "minute": 34}
